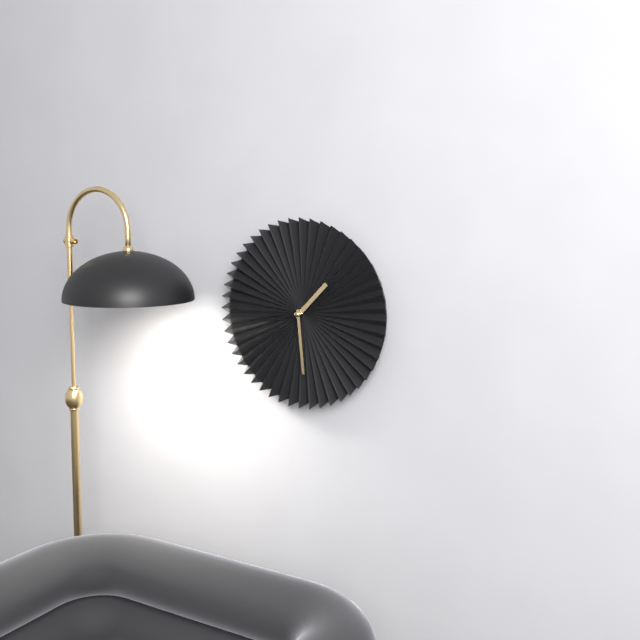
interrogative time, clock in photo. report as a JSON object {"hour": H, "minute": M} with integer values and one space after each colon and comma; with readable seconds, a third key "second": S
{"hour": 1, "minute": 29}
